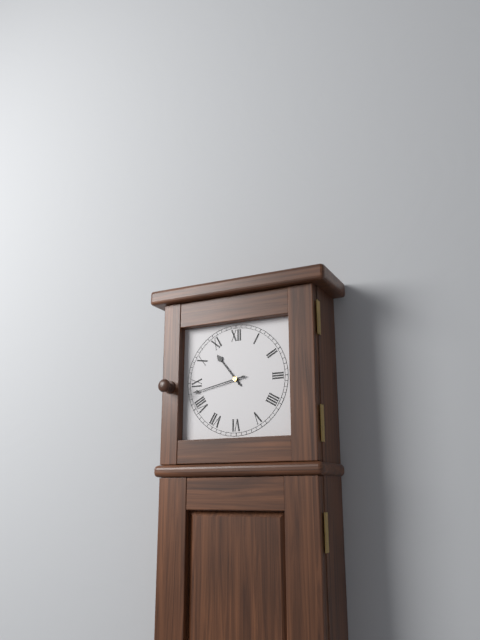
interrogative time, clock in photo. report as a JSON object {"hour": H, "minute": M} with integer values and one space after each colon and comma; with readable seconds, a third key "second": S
{"hour": 10, "minute": 43}
